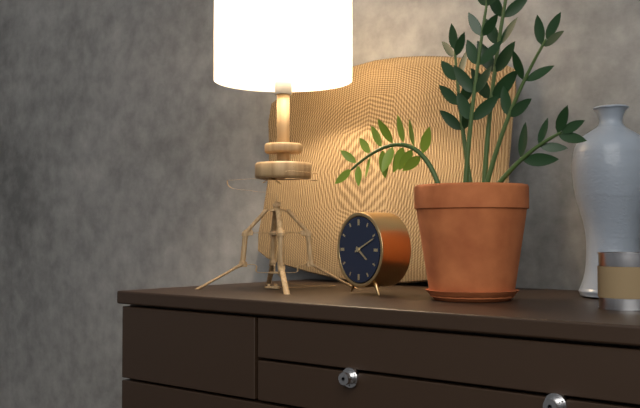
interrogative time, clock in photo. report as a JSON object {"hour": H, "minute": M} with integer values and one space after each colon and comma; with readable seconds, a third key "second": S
{"hour": 4, "minute": 11}
